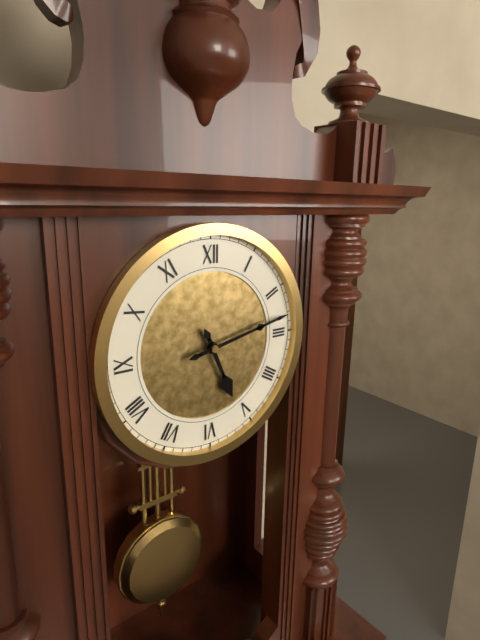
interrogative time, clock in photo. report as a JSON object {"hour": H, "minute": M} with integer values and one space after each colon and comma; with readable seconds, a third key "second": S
{"hour": 5, "minute": 13}
